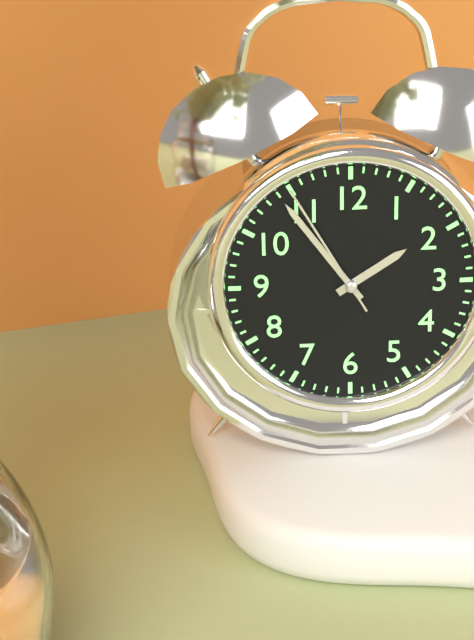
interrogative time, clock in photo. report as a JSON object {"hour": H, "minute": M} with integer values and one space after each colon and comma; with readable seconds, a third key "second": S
{"hour": 1, "minute": 54, "second": 55}
